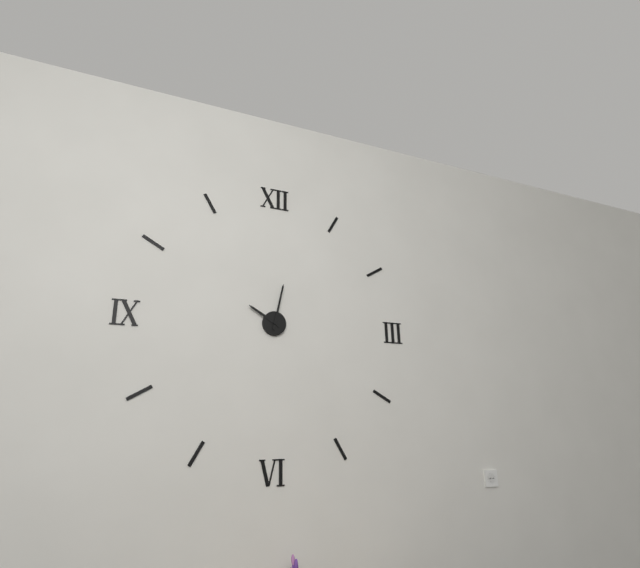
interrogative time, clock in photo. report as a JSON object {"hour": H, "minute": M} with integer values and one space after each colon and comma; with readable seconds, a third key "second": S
{"hour": 10, "minute": 2}
